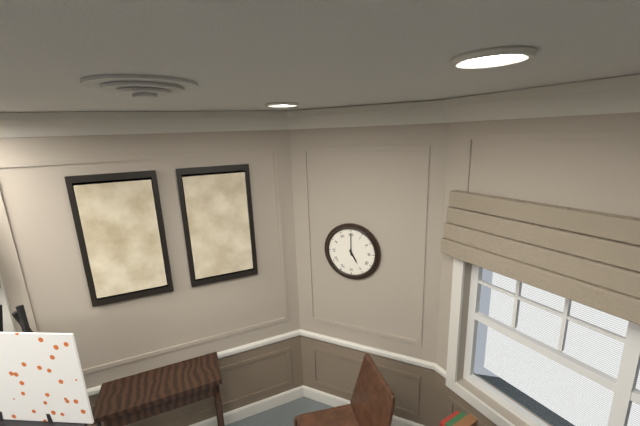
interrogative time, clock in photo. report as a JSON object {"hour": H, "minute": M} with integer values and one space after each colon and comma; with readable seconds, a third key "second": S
{"hour": 5, "minute": 0}
